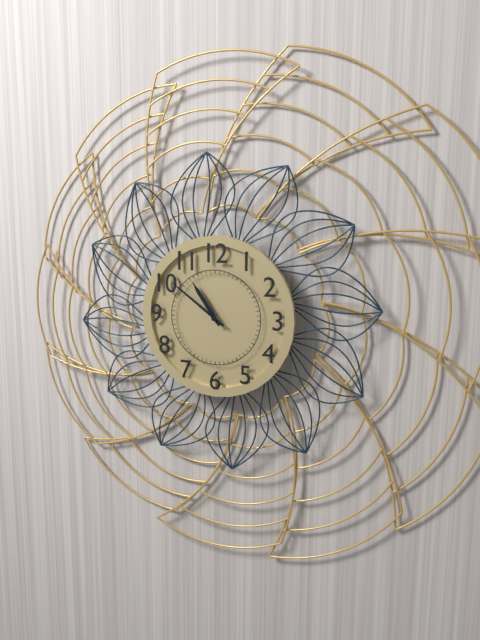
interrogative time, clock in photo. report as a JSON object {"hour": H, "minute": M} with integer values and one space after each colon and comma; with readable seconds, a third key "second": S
{"hour": 10, "minute": 51}
